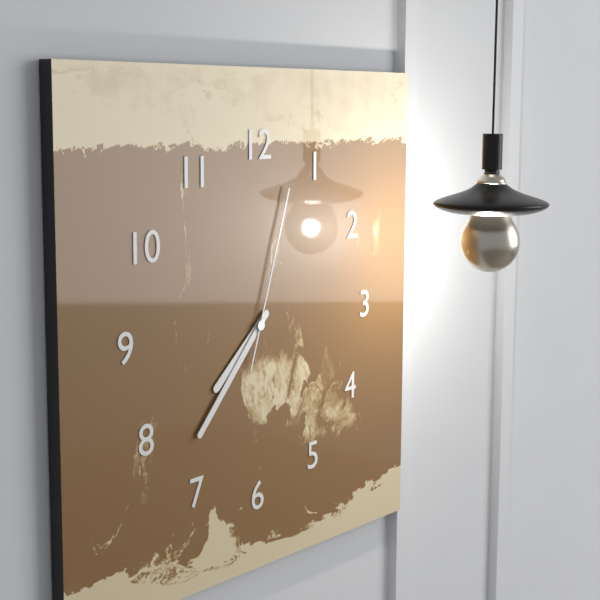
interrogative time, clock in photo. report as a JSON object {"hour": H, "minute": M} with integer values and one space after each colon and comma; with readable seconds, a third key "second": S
{"hour": 7, "minute": 37, "second": 3}
